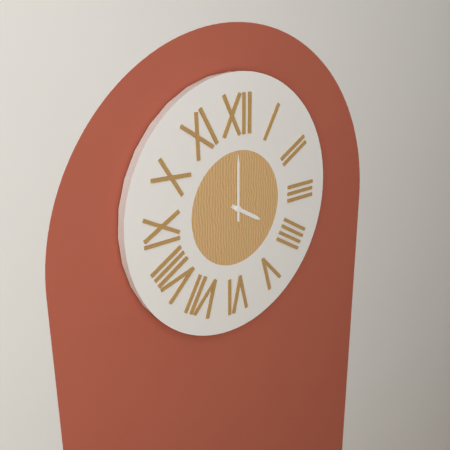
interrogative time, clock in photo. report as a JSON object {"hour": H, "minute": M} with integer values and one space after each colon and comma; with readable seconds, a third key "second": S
{"hour": 4, "minute": 0}
